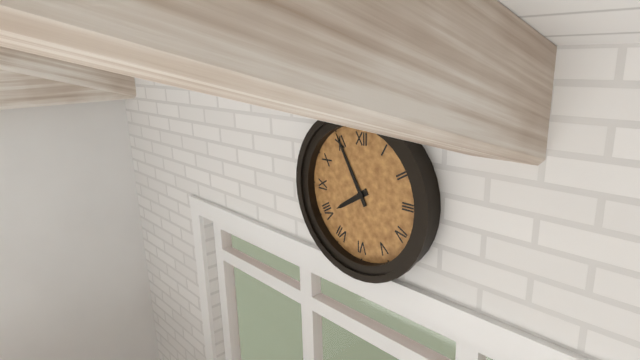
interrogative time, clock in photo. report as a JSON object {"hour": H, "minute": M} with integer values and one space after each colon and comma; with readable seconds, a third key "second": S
{"hour": 7, "minute": 55}
